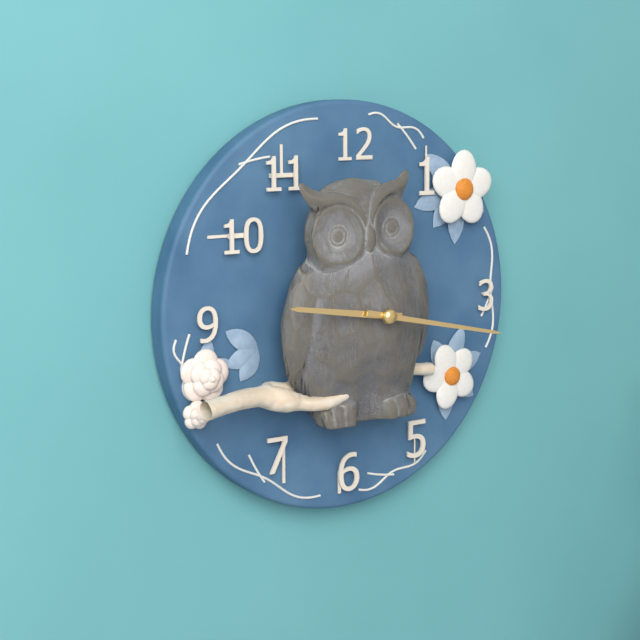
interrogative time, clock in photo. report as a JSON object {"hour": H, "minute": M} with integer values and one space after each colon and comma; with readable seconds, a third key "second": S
{"hour": 9, "minute": 17}
